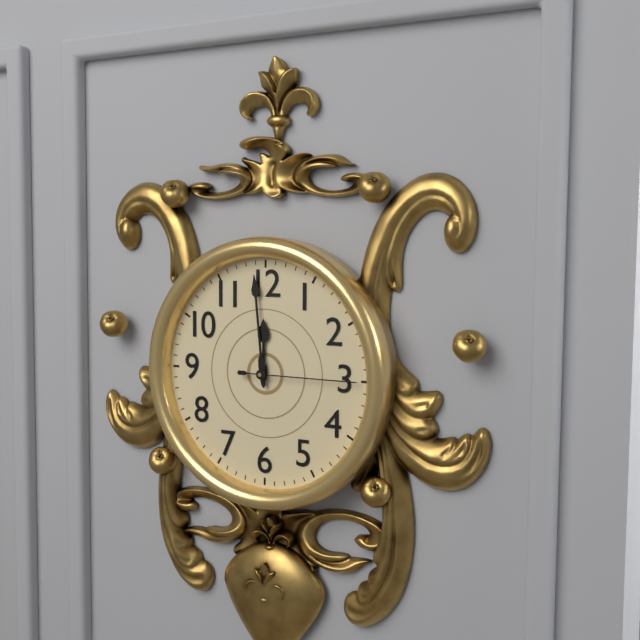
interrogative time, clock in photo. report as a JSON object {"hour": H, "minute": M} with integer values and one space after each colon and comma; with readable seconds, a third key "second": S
{"hour": 11, "minute": 59, "second": 15}
